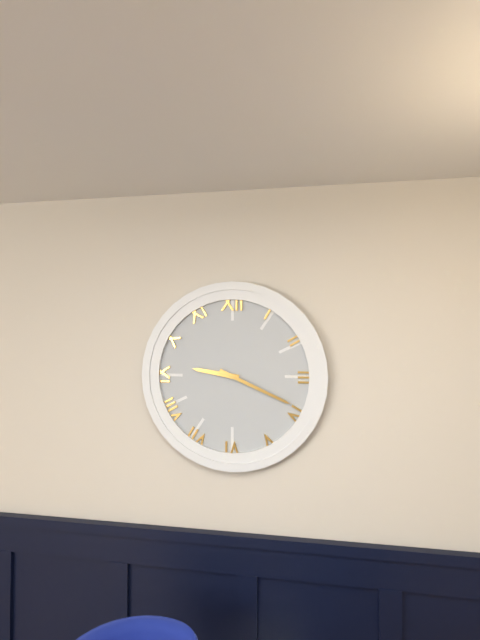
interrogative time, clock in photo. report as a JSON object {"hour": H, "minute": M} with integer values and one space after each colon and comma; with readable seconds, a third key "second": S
{"hour": 9, "minute": 19}
